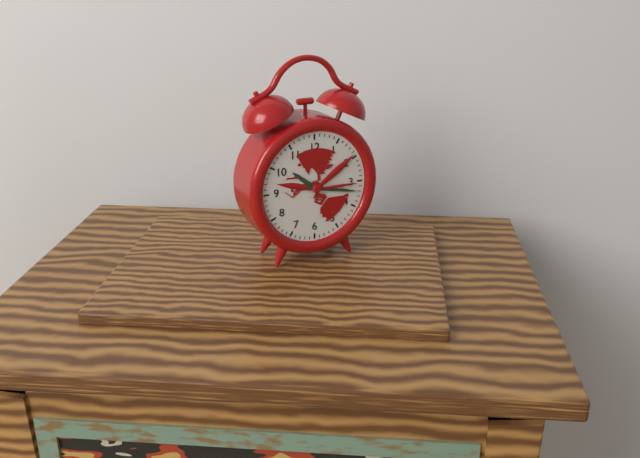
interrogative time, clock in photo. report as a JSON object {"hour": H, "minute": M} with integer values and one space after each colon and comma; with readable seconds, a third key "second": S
{"hour": 10, "minute": 17}
